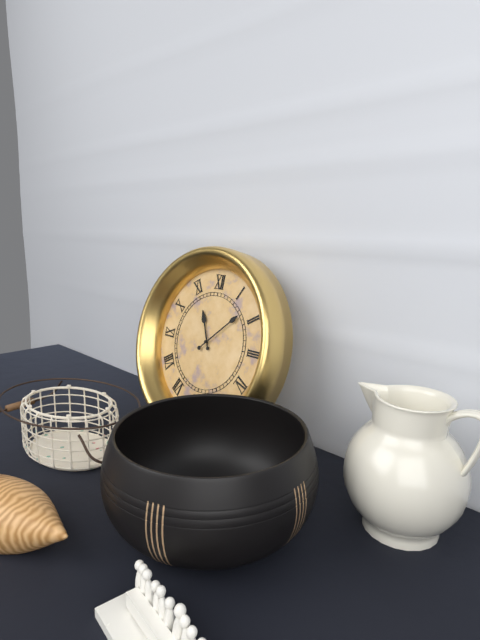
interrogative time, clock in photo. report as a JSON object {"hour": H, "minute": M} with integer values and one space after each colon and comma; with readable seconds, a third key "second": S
{"hour": 11, "minute": 8}
